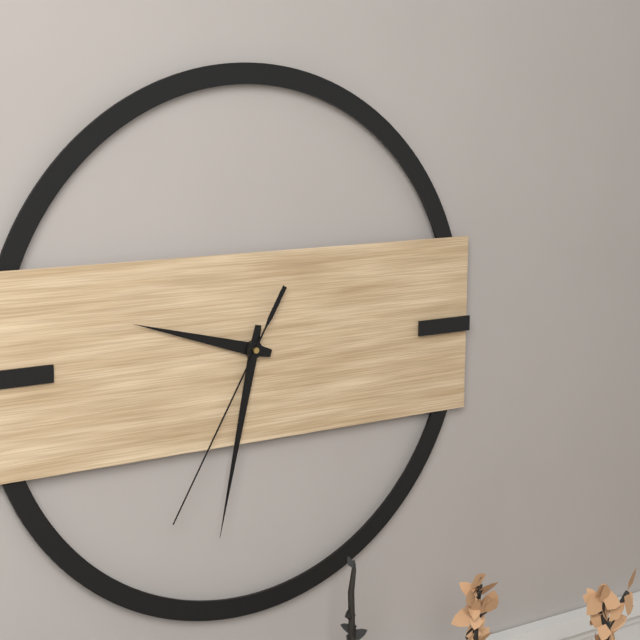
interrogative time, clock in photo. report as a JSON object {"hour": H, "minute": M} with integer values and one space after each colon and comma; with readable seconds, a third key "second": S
{"hour": 9, "minute": 32, "second": 35}
